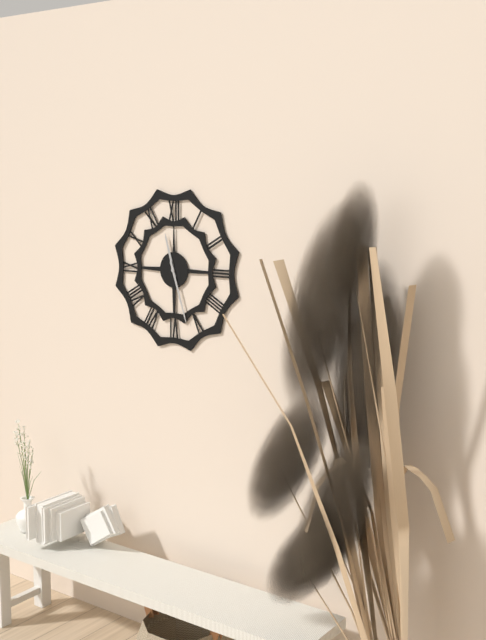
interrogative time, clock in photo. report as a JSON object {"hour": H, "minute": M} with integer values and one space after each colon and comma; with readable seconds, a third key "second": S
{"hour": 11, "minute": 27}
